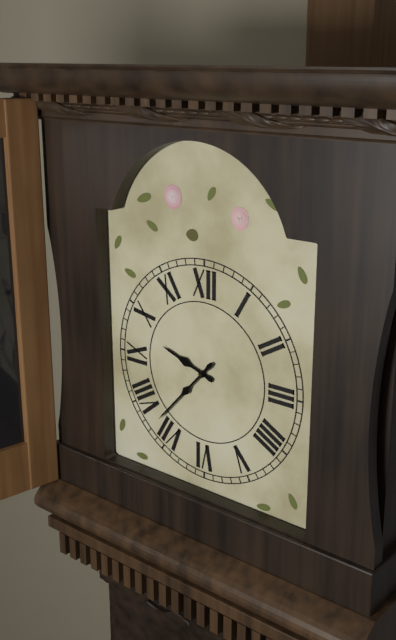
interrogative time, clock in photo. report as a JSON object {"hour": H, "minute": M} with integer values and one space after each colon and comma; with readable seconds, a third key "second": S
{"hour": 9, "minute": 37}
